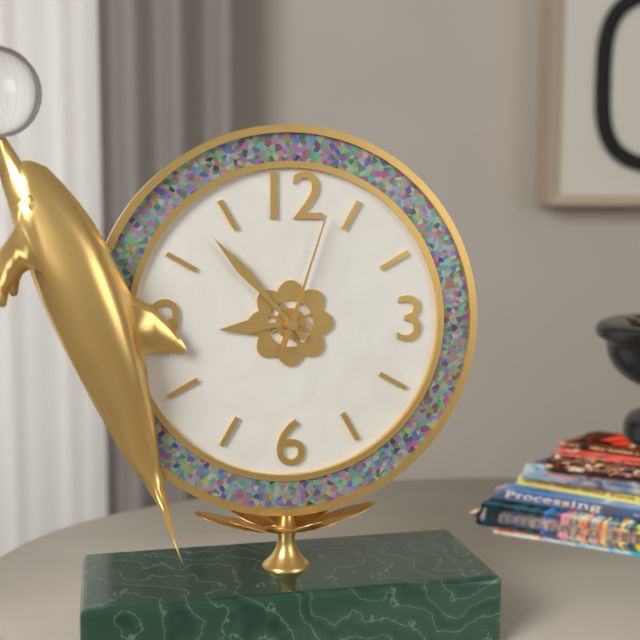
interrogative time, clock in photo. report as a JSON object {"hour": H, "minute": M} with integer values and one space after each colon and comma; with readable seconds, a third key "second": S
{"hour": 8, "minute": 53, "second": 3}
